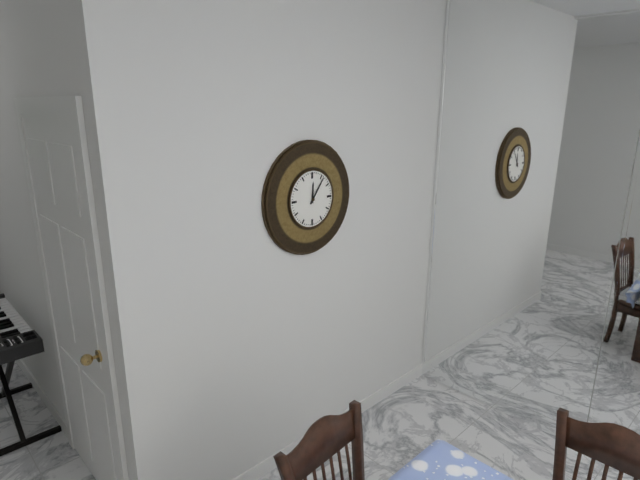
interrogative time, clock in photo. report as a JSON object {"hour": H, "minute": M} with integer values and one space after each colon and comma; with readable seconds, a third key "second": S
{"hour": 12, "minute": 6}
